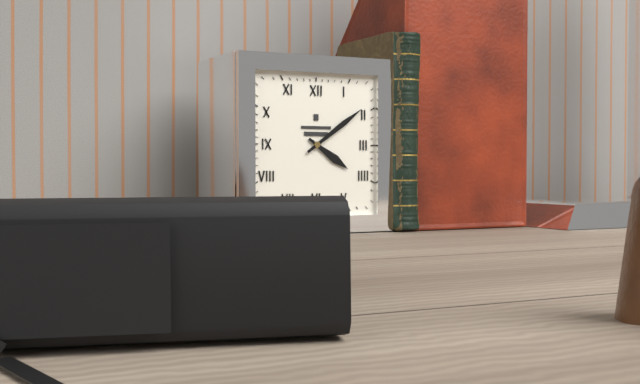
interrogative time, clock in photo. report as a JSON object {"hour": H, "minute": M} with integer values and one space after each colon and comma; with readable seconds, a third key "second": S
{"hour": 4, "minute": 9}
